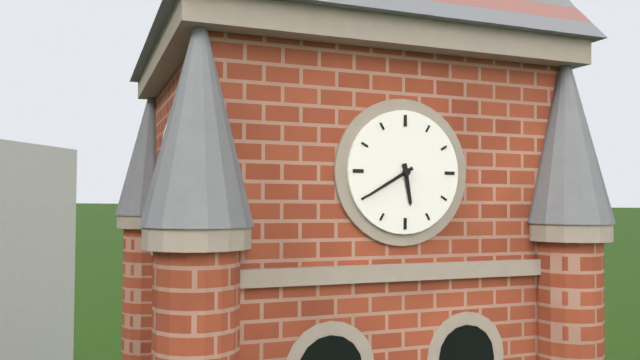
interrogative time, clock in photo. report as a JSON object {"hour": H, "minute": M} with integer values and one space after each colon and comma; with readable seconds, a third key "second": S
{"hour": 5, "minute": 40}
